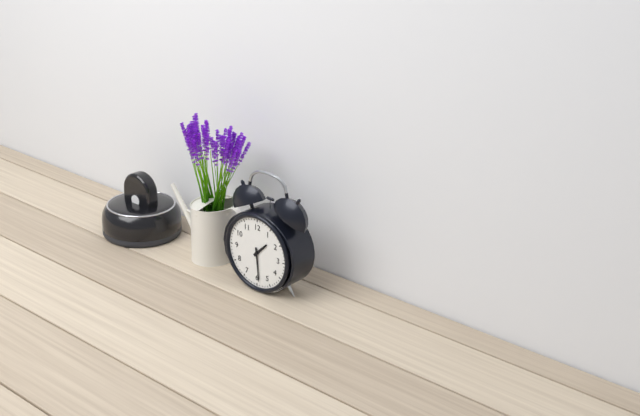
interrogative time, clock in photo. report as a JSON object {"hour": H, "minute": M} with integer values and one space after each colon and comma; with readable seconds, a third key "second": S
{"hour": 1, "minute": 29}
